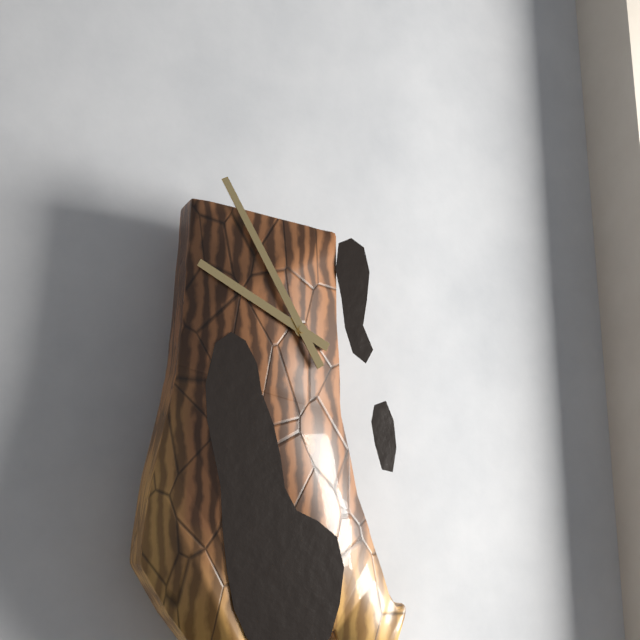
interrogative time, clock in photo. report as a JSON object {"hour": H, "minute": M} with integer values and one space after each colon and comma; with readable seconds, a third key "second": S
{"hour": 9, "minute": 55}
